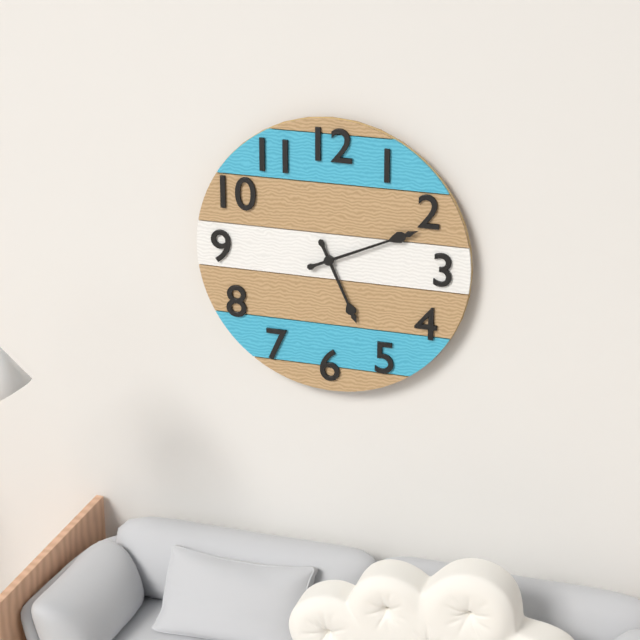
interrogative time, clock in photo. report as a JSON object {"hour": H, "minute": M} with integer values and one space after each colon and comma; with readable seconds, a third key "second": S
{"hour": 5, "minute": 11}
